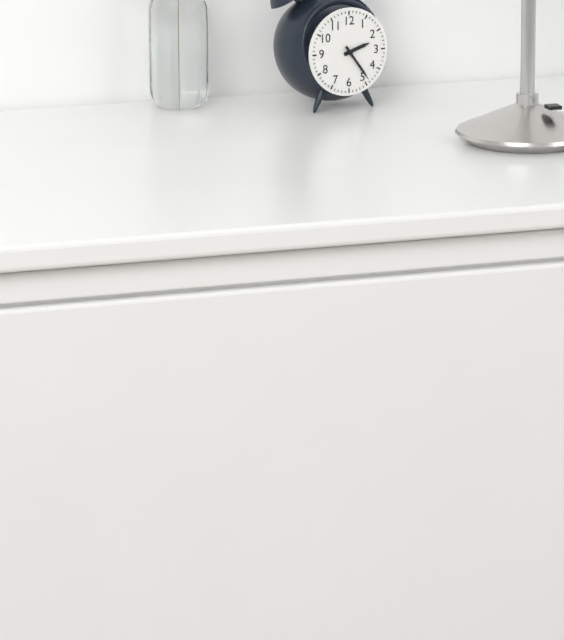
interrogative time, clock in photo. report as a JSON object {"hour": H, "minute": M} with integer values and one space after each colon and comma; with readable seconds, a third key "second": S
{"hour": 2, "minute": 24}
